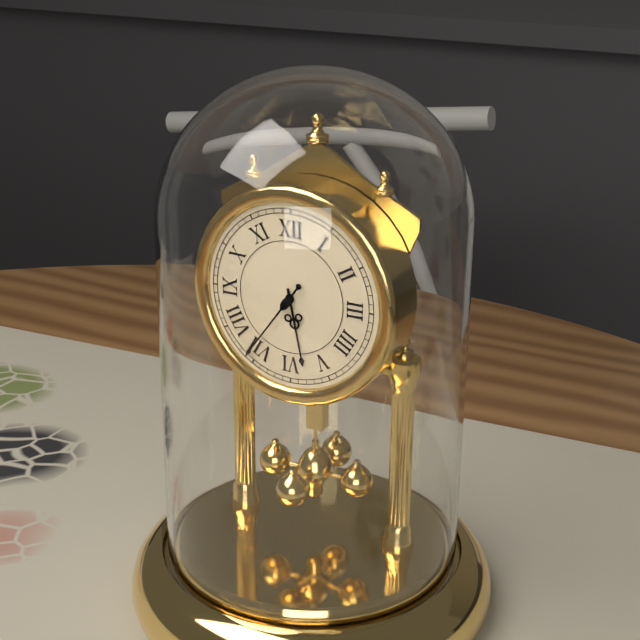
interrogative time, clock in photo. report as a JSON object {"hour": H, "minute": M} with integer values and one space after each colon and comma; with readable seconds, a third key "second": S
{"hour": 5, "minute": 36}
